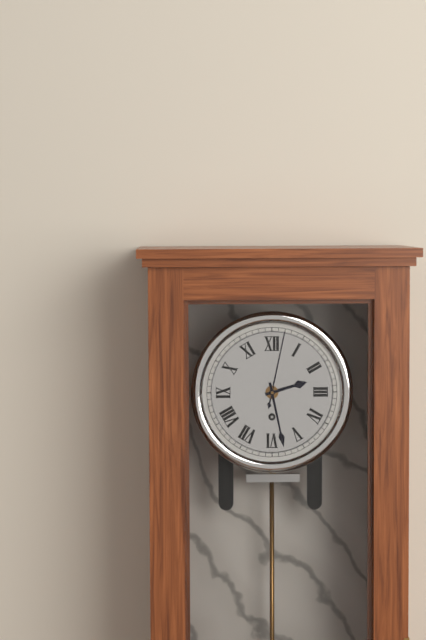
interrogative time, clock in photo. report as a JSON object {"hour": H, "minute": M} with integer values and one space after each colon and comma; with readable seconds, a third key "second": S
{"hour": 2, "minute": 28, "second": 2}
